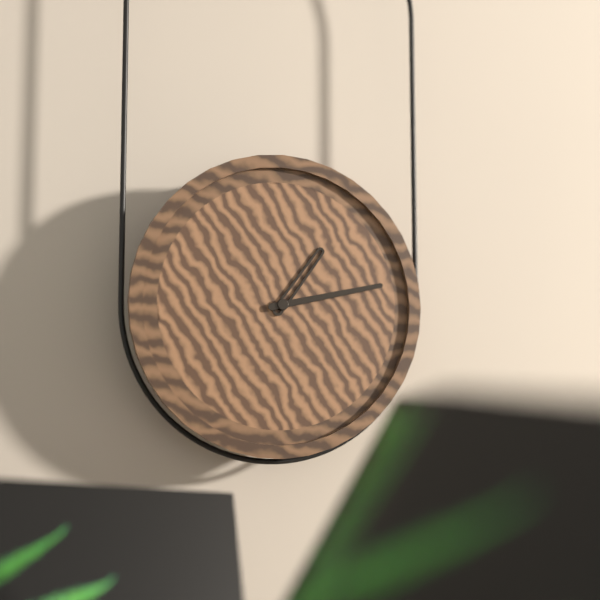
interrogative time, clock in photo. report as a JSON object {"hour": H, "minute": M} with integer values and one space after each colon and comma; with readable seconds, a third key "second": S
{"hour": 1, "minute": 13}
